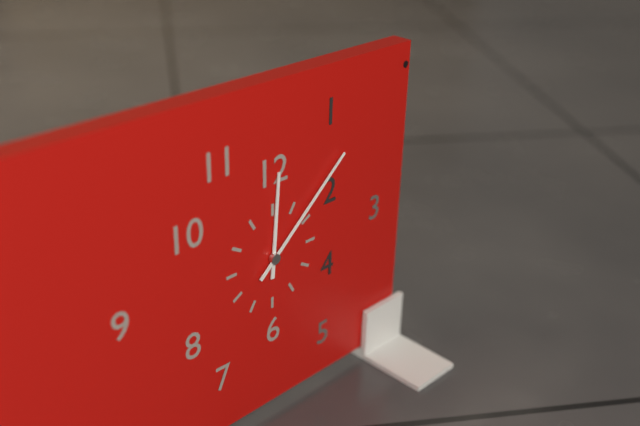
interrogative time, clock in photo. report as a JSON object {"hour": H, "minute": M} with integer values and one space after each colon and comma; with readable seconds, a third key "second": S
{"hour": 12, "minute": 8}
